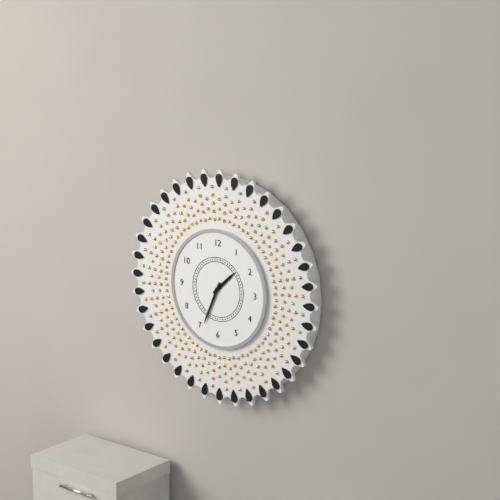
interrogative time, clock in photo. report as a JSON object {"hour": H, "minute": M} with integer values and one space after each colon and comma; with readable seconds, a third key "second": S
{"hour": 1, "minute": 34}
